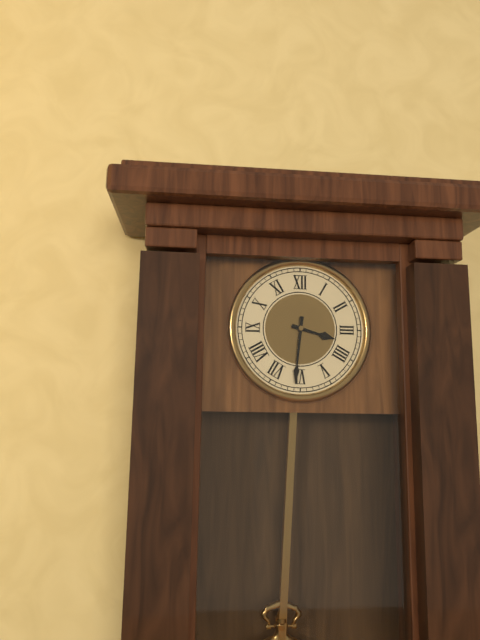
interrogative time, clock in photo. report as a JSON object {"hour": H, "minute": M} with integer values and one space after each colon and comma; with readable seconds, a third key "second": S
{"hour": 3, "minute": 31}
